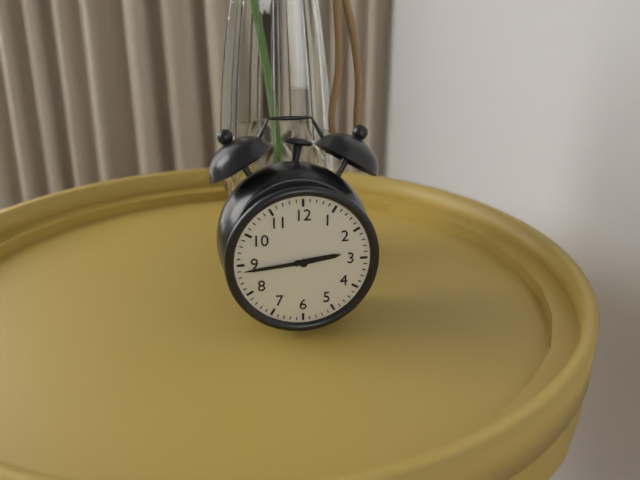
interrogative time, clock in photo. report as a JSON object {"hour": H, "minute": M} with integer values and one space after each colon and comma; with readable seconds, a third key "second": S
{"hour": 2, "minute": 44}
